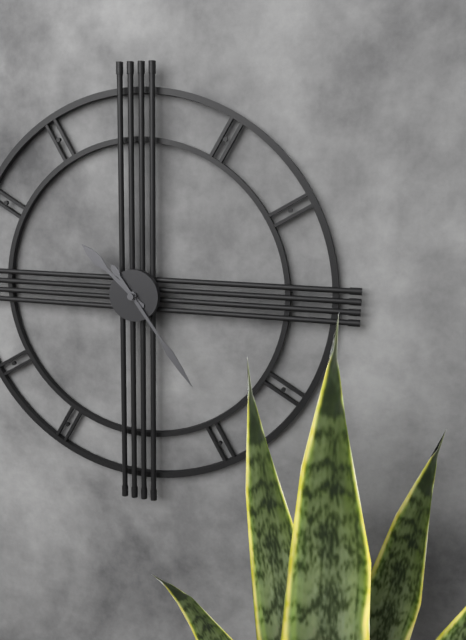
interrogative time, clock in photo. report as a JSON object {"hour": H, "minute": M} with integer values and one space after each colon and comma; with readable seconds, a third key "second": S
{"hour": 10, "minute": 24}
